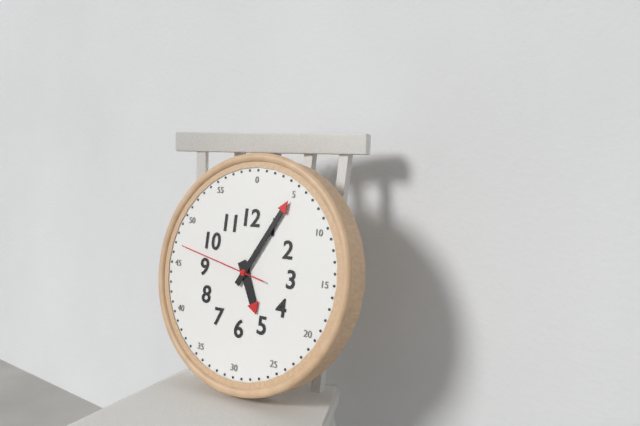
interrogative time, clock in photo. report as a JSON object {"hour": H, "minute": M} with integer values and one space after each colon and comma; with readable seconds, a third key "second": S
{"hour": 5, "minute": 5, "second": 47}
